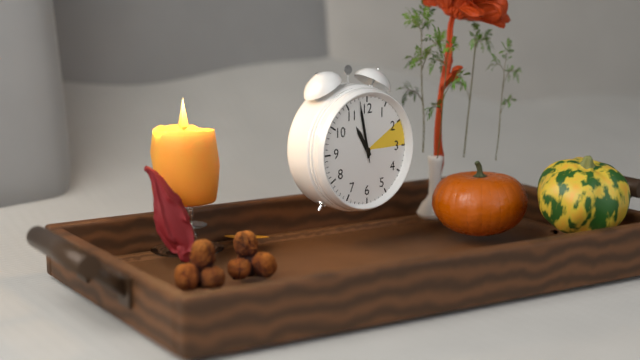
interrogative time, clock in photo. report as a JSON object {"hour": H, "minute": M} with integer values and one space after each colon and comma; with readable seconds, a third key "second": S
{"hour": 10, "minute": 58, "second": 58}
